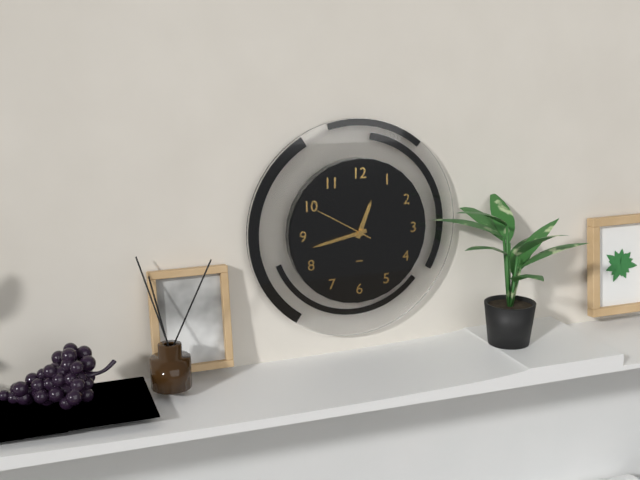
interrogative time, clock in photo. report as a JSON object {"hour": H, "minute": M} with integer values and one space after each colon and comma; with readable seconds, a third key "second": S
{"hour": 12, "minute": 43, "second": 50}
